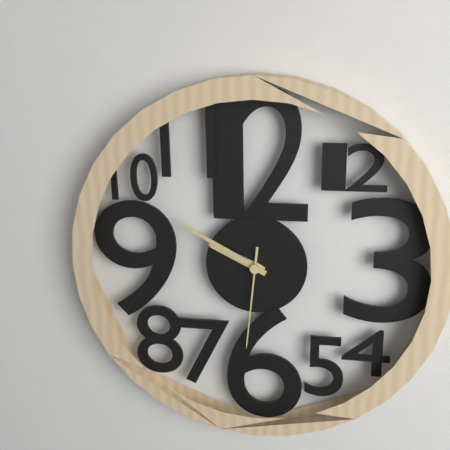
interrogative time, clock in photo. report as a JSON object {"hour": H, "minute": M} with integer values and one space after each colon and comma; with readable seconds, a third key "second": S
{"hour": 9, "minute": 50, "second": 31}
